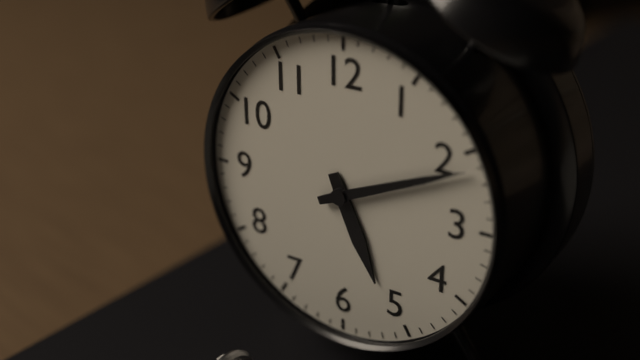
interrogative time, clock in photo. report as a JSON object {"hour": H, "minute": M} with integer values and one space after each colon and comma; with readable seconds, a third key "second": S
{"hour": 5, "minute": 11}
